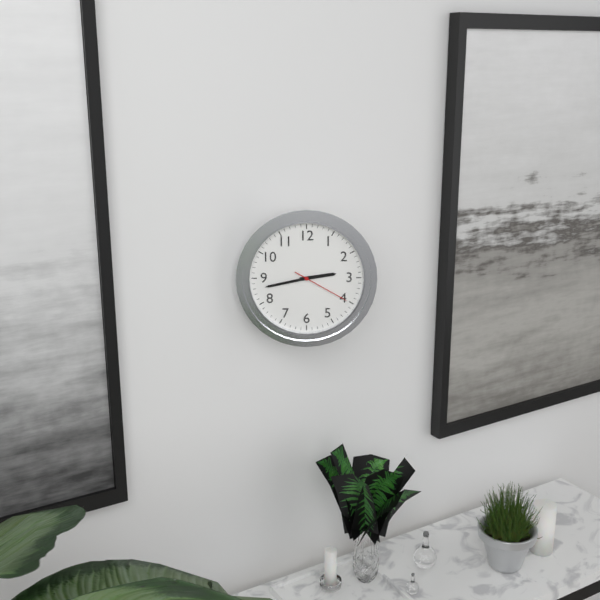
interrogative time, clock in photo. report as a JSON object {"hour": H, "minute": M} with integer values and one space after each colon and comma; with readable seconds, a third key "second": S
{"hour": 2, "minute": 43, "second": 20}
